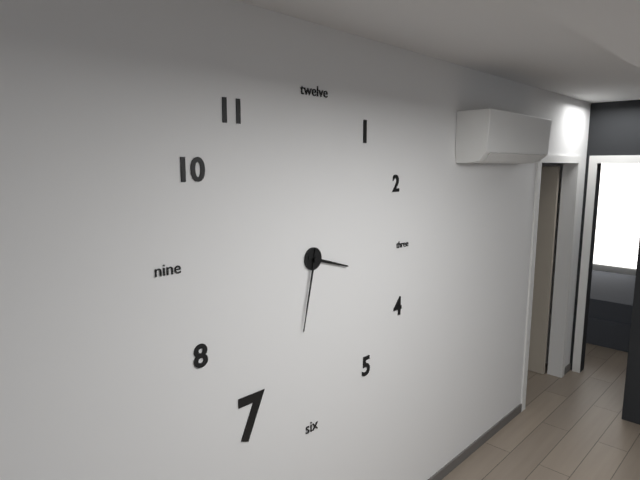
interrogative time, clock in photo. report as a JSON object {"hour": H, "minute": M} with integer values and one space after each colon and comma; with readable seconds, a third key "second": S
{"hour": 3, "minute": 32}
